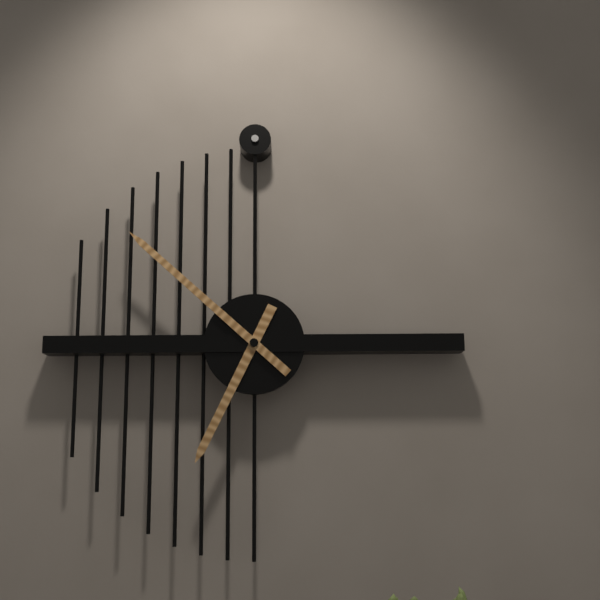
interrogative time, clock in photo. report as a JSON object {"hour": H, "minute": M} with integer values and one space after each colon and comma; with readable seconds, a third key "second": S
{"hour": 6, "minute": 52}
